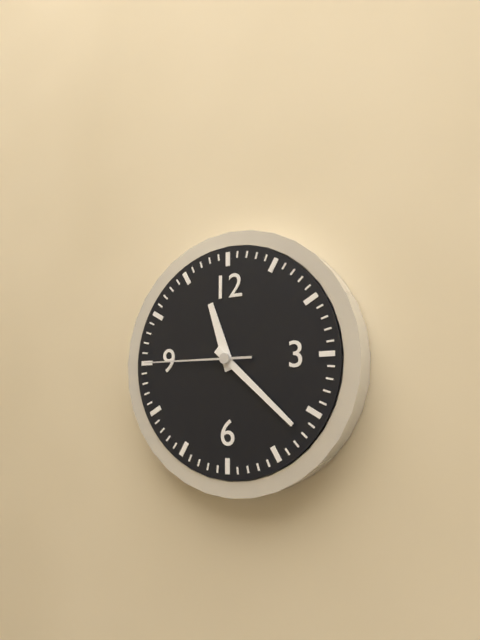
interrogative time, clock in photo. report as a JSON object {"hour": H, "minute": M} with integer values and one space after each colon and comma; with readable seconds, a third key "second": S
{"hour": 11, "minute": 22, "second": 45}
